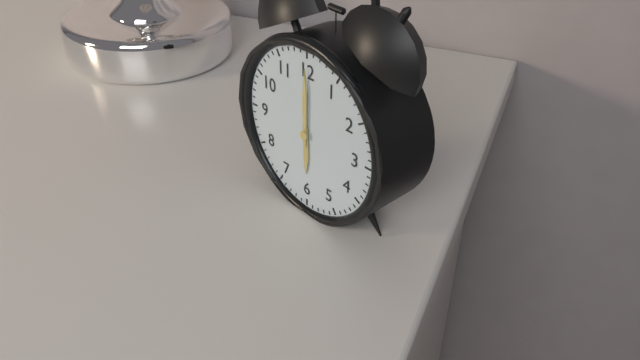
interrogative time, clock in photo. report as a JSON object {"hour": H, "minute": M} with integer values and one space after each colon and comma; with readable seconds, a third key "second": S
{"hour": 6, "minute": 0}
